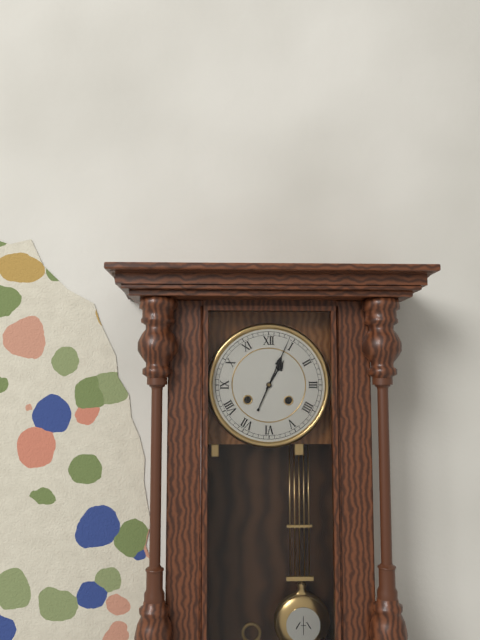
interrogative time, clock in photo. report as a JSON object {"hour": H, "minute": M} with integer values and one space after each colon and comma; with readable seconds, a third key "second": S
{"hour": 1, "minute": 4}
